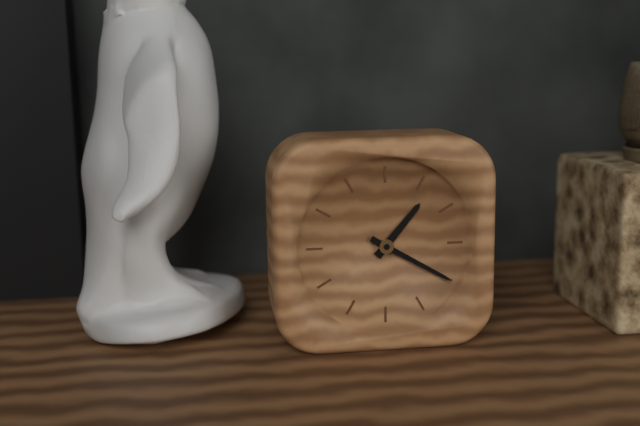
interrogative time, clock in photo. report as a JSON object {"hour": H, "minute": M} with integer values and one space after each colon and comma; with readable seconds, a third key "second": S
{"hour": 1, "minute": 20}
